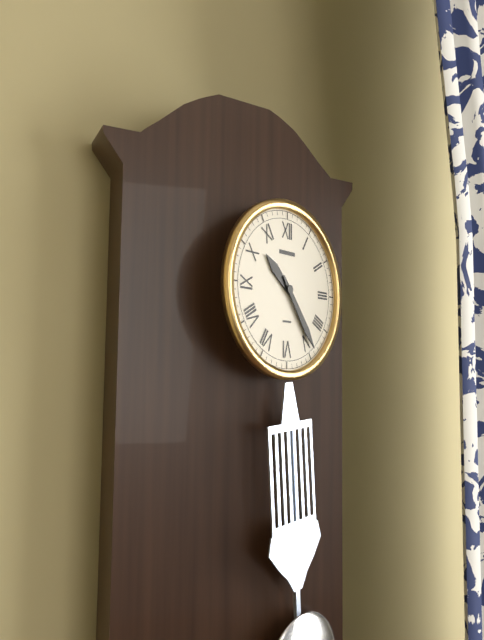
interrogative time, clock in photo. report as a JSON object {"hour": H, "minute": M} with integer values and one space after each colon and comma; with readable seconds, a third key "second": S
{"hour": 10, "minute": 24}
